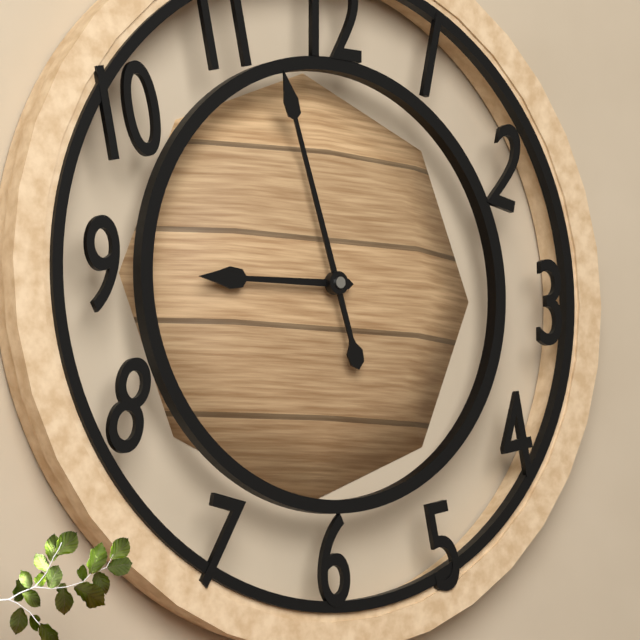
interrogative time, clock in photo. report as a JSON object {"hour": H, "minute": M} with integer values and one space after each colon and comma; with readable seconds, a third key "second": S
{"hour": 8, "minute": 57}
